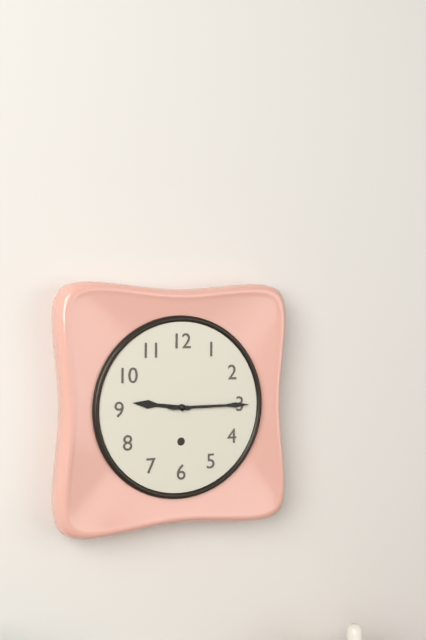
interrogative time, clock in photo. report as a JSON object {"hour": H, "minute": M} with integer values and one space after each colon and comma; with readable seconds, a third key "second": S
{"hour": 9, "minute": 15}
